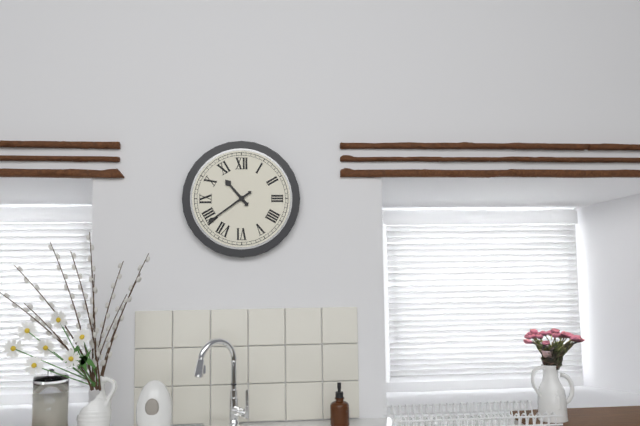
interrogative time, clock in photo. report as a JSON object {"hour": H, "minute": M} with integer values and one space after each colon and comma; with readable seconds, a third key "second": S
{"hour": 10, "minute": 39}
